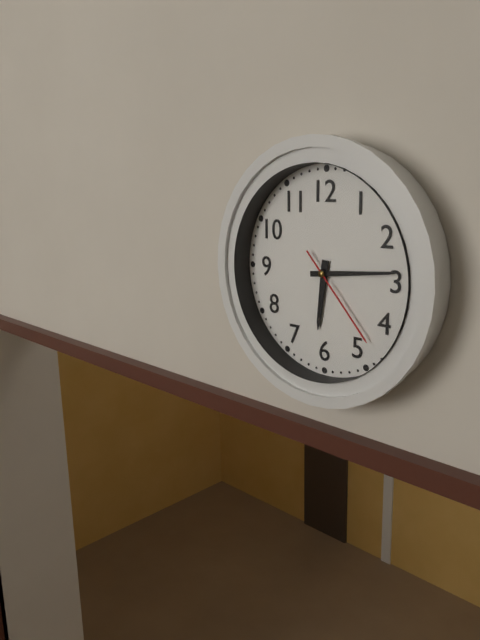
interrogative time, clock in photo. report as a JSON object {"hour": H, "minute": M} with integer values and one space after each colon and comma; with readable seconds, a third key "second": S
{"hour": 6, "minute": 14, "second": 23}
